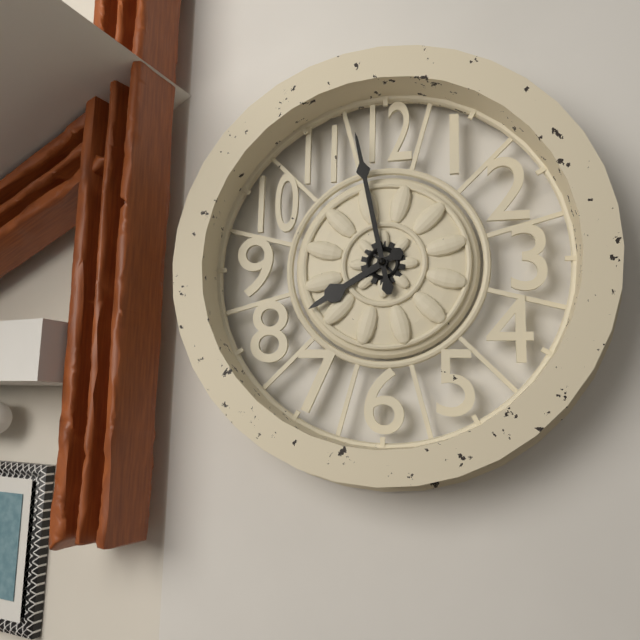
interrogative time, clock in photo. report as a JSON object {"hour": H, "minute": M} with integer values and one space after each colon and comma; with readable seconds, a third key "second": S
{"hour": 7, "minute": 58}
